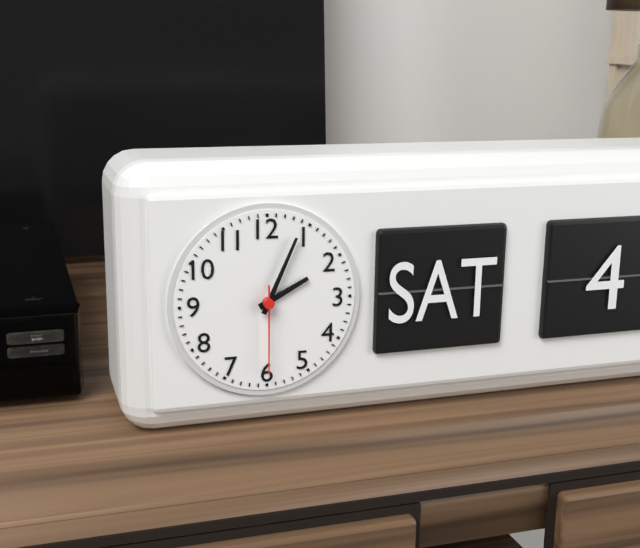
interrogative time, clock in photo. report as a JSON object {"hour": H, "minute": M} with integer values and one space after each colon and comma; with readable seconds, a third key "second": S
{"hour": 2, "minute": 4, "second": 30}
